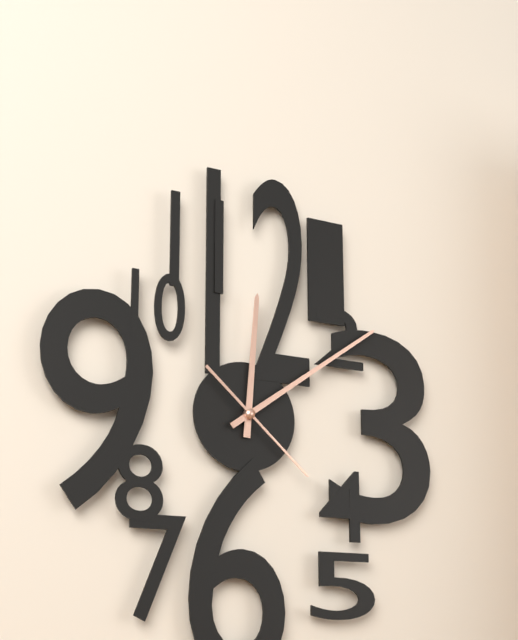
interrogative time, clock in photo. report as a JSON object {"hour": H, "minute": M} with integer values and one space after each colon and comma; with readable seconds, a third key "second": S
{"hour": 12, "minute": 9, "second": 22}
